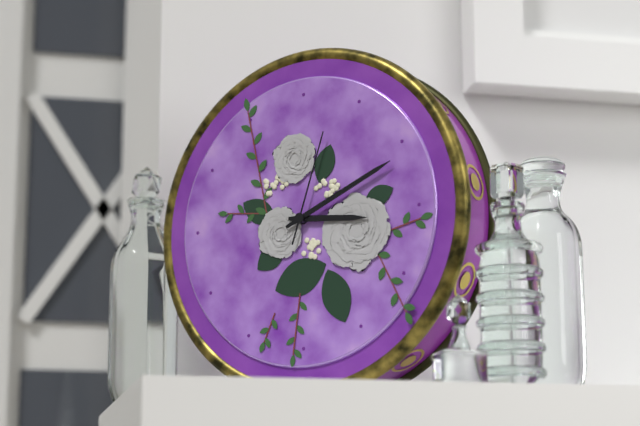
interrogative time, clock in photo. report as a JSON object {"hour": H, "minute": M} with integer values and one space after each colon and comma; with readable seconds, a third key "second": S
{"hour": 3, "minute": 11, "second": 3}
